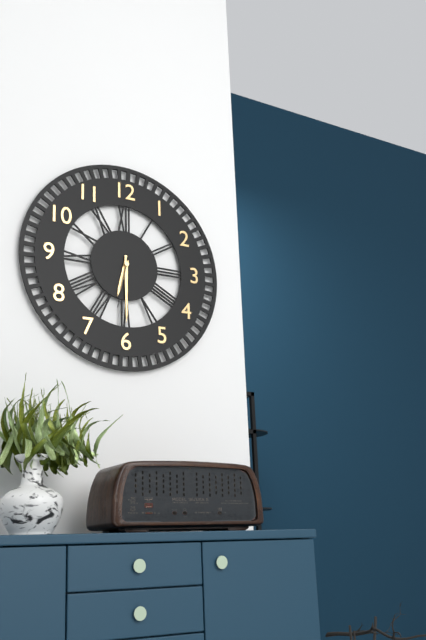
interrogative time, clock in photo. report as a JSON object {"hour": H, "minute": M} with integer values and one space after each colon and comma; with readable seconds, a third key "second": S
{"hour": 6, "minute": 30, "second": 32}
